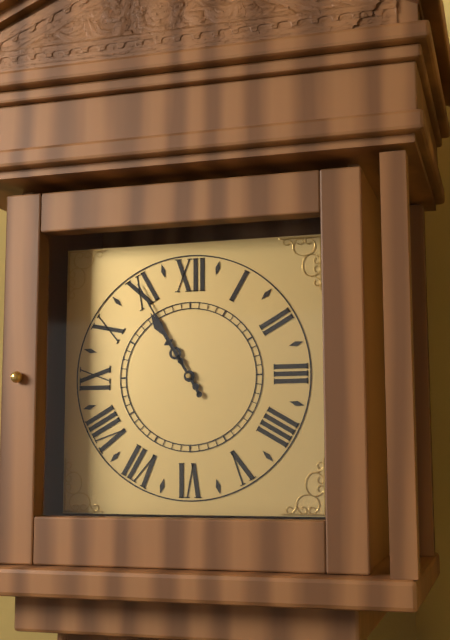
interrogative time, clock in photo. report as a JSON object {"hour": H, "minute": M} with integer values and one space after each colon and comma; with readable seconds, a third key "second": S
{"hour": 10, "minute": 55}
